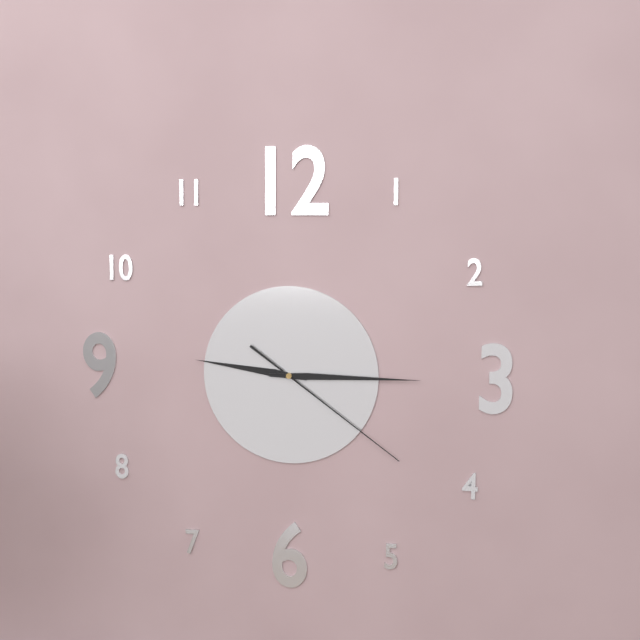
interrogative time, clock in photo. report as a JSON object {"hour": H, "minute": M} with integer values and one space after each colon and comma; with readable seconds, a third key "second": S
{"hour": 9, "minute": 15, "second": 21}
